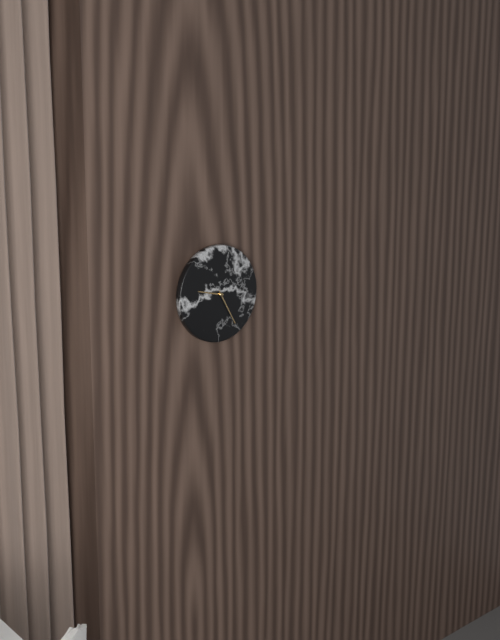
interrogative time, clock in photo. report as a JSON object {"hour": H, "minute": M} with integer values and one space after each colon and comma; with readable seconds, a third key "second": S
{"hour": 9, "minute": 25}
